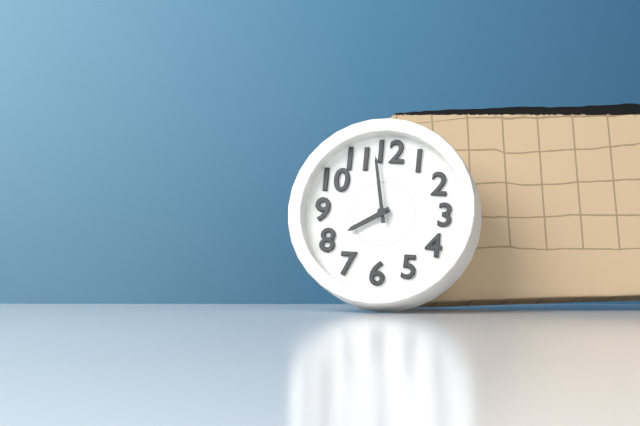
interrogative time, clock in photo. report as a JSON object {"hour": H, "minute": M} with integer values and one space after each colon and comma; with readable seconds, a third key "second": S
{"hour": 7, "minute": 58}
